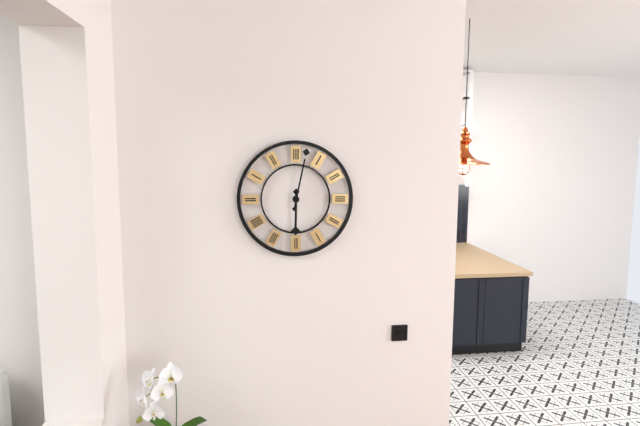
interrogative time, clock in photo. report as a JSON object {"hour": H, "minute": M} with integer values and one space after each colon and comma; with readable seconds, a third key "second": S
{"hour": 6, "minute": 2}
